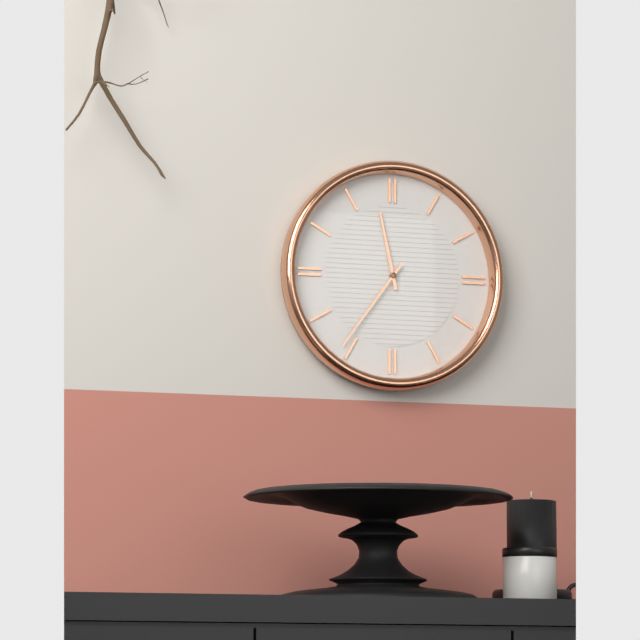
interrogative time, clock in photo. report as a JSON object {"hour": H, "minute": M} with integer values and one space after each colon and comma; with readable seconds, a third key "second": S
{"hour": 11, "minute": 36}
